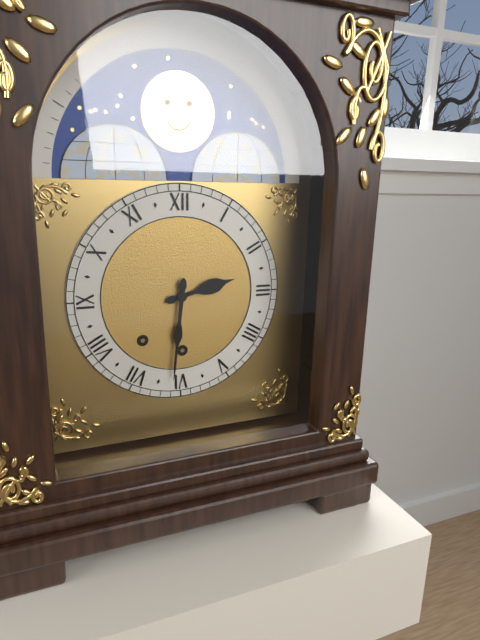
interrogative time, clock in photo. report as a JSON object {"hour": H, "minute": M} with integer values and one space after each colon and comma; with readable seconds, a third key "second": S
{"hour": 2, "minute": 31}
